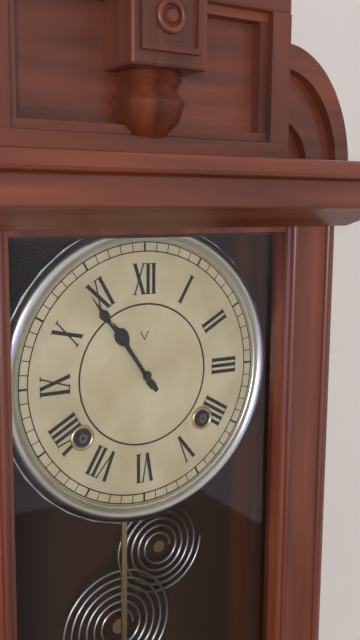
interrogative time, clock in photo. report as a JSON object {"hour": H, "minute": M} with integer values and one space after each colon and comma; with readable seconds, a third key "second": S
{"hour": 10, "minute": 54}
